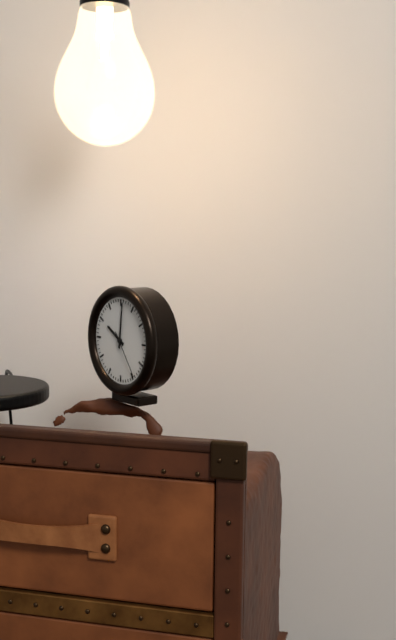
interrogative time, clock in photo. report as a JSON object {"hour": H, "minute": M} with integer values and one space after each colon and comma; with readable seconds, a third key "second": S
{"hour": 10, "minute": 1}
